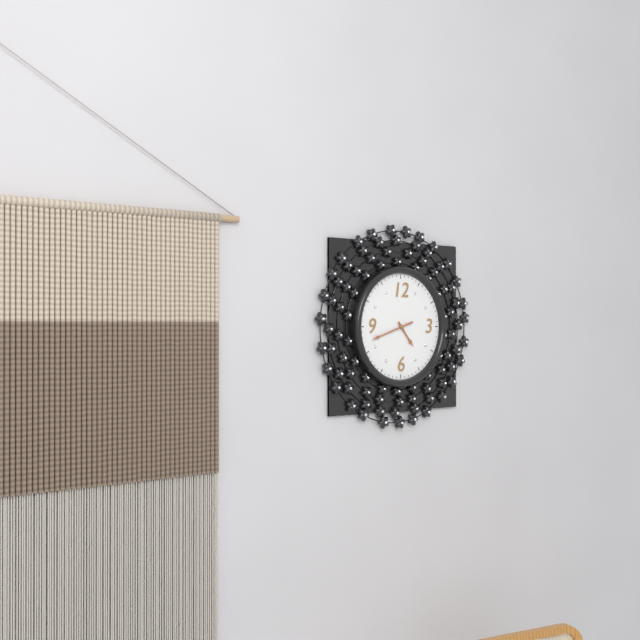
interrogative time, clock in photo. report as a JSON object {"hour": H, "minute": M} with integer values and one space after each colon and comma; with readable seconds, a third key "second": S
{"hour": 4, "minute": 42}
